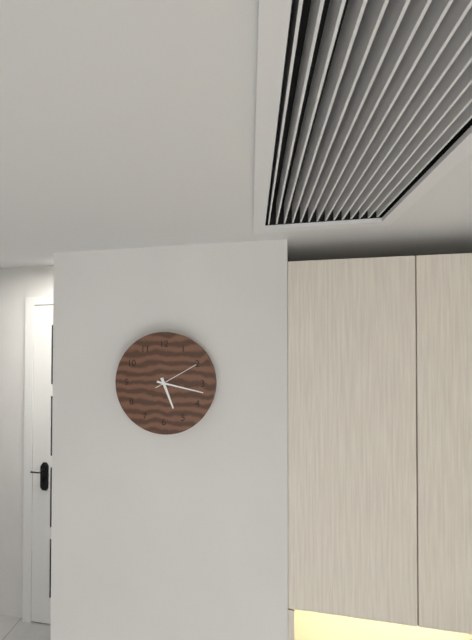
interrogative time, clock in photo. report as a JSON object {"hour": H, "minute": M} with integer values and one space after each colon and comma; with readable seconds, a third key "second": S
{"hour": 5, "minute": 17}
